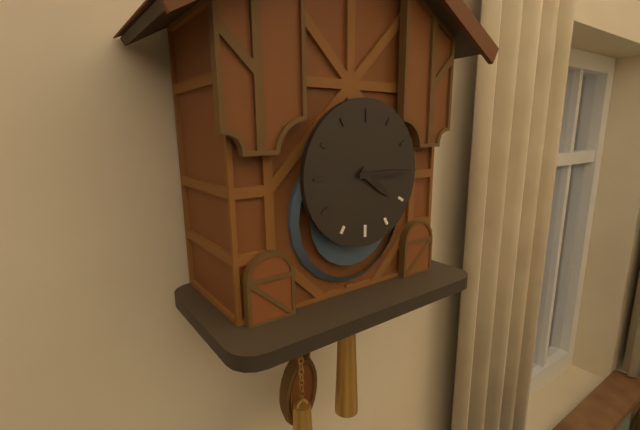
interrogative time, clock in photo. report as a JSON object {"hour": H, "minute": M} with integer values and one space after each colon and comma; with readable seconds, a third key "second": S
{"hour": 4, "minute": 15}
